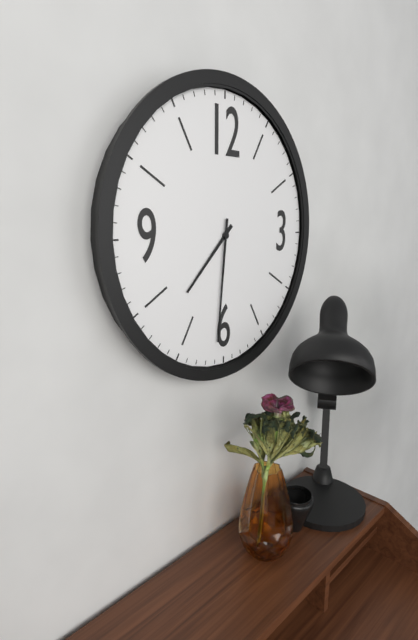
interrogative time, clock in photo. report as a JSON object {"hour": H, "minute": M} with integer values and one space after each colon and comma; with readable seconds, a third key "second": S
{"hour": 7, "minute": 31}
